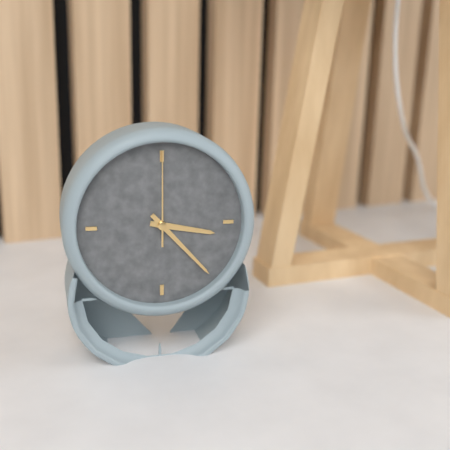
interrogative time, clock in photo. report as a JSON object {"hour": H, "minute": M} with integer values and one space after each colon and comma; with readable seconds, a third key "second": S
{"hour": 3, "minute": 23, "second": 0}
